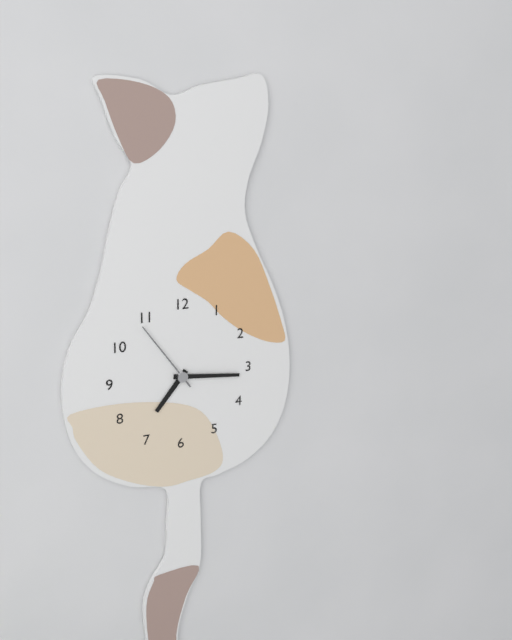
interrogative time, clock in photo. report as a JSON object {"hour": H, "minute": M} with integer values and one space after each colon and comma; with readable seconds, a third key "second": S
{"hour": 7, "minute": 16, "second": 54}
